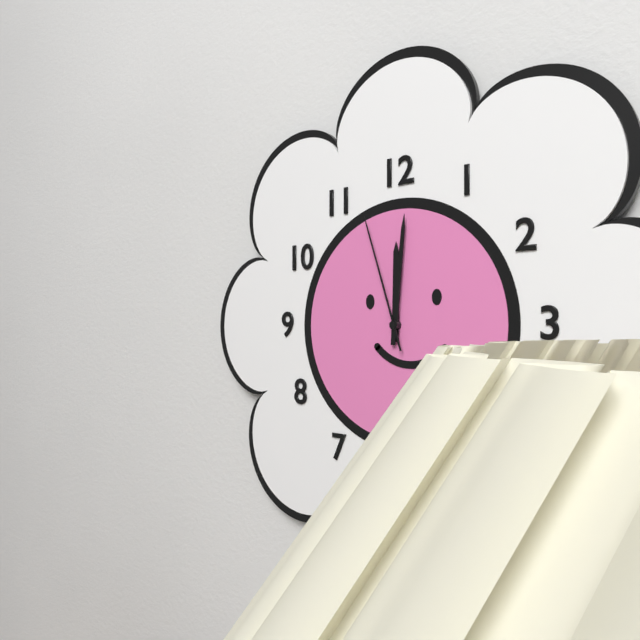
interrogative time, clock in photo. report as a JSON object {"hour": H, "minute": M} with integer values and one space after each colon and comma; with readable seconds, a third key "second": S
{"hour": 12, "minute": 1, "second": 57}
